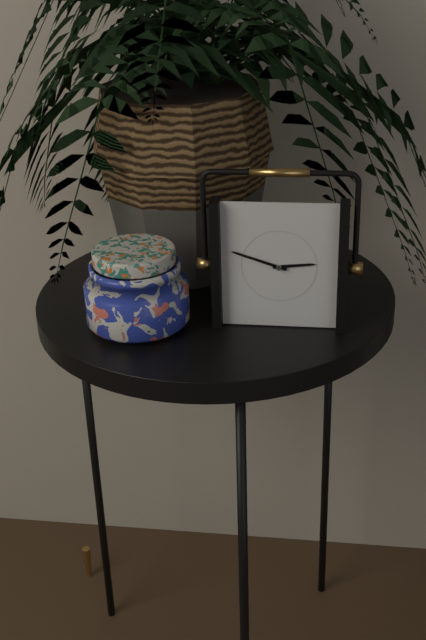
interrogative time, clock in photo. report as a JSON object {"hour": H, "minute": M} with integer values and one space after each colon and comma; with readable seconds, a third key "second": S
{"hour": 2, "minute": 48}
